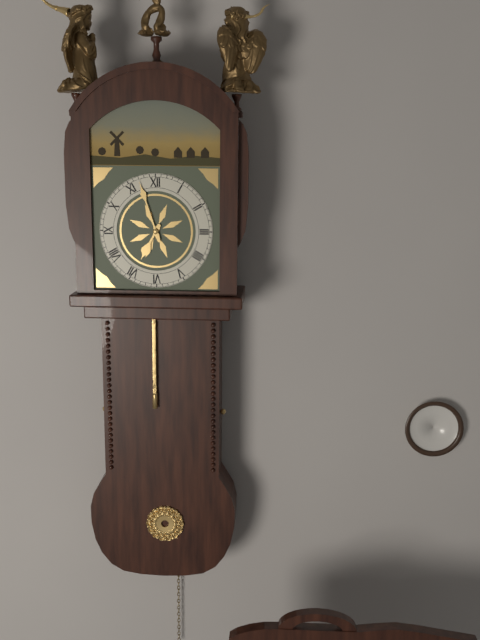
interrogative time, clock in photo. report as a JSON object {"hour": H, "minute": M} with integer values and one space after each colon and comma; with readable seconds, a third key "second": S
{"hour": 6, "minute": 57}
